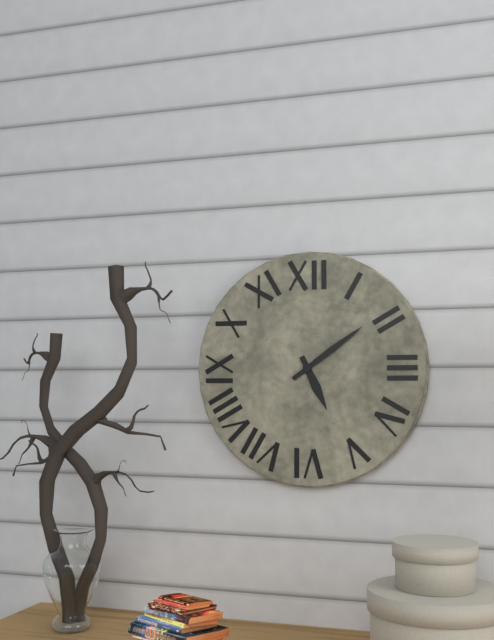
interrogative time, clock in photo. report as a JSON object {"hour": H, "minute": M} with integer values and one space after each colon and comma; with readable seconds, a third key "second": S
{"hour": 5, "minute": 9}
